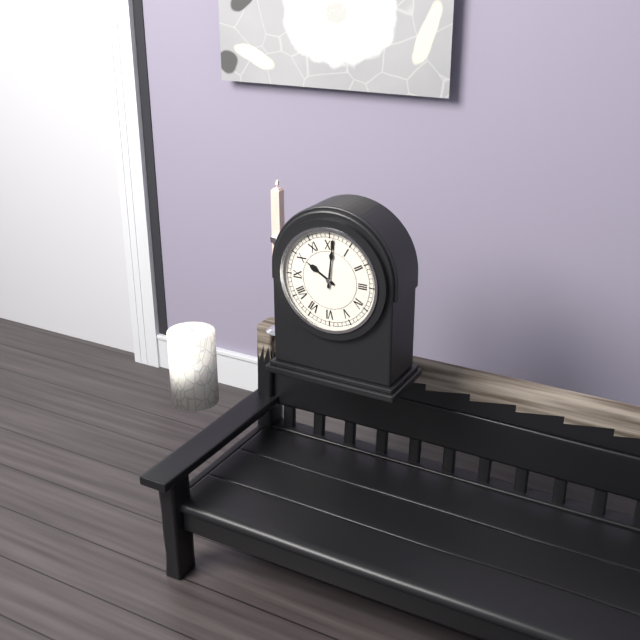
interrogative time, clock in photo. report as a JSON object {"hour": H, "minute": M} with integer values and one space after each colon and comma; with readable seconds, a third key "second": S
{"hour": 10, "minute": 1}
